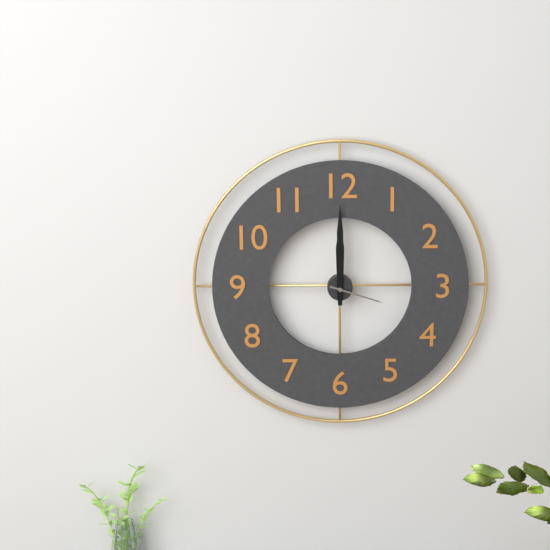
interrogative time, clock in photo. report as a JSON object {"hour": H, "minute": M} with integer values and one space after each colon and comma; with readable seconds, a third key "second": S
{"hour": 12, "minute": 0, "second": 18}
